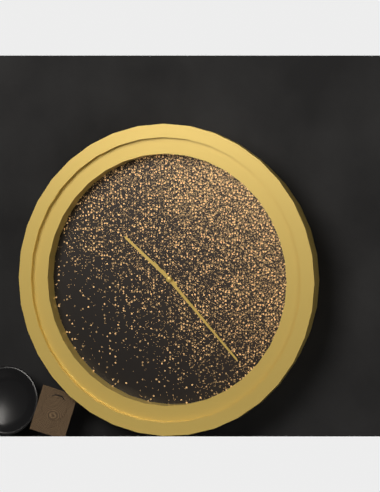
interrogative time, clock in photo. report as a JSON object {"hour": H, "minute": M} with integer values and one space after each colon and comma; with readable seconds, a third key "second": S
{"hour": 10, "minute": 23, "second": 23}
